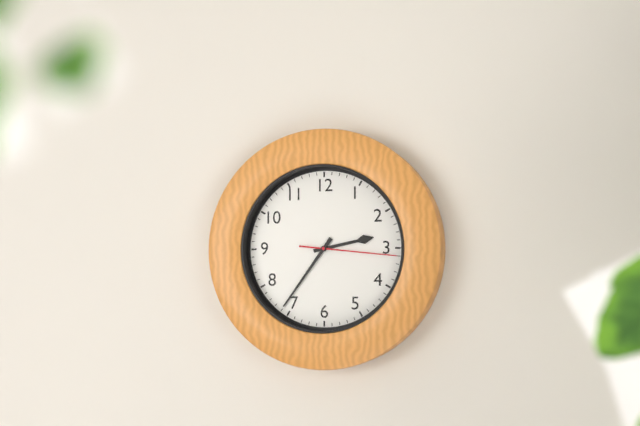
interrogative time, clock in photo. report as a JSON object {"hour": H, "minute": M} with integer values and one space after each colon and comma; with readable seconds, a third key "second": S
{"hour": 2, "minute": 36, "second": 16}
